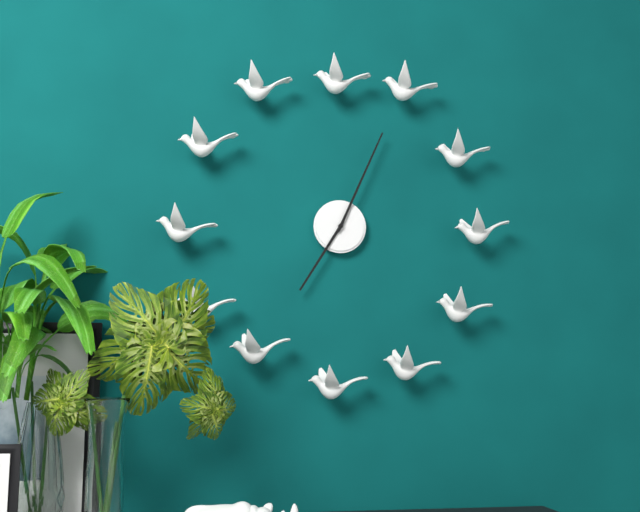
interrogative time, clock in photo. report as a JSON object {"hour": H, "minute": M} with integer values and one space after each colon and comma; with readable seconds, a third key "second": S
{"hour": 7, "minute": 4}
